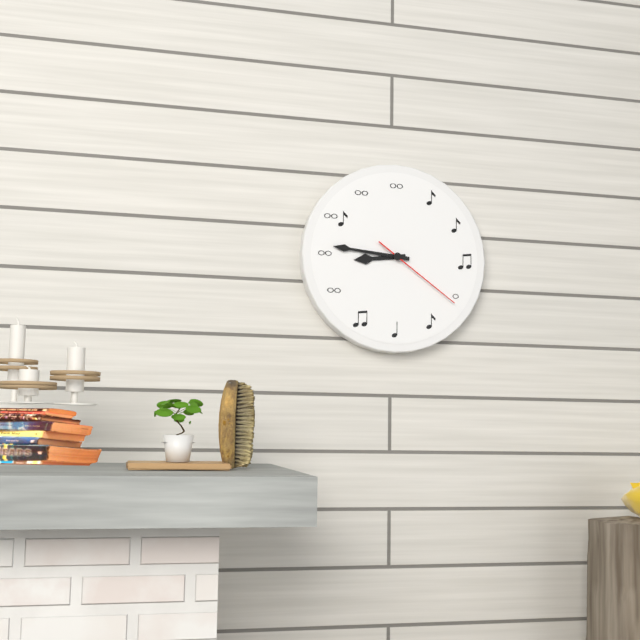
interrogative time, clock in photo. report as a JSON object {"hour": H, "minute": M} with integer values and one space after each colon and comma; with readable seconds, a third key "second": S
{"hour": 8, "minute": 46, "second": 21}
